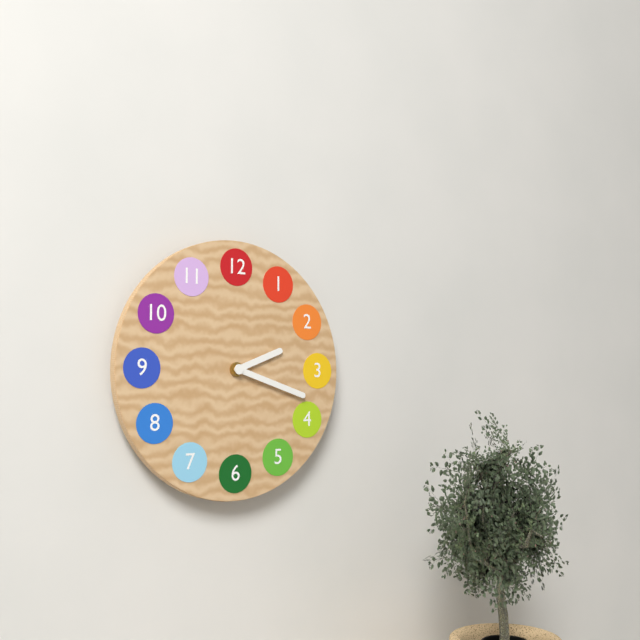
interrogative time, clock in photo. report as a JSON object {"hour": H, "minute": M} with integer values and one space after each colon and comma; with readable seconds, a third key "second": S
{"hour": 2, "minute": 18}
